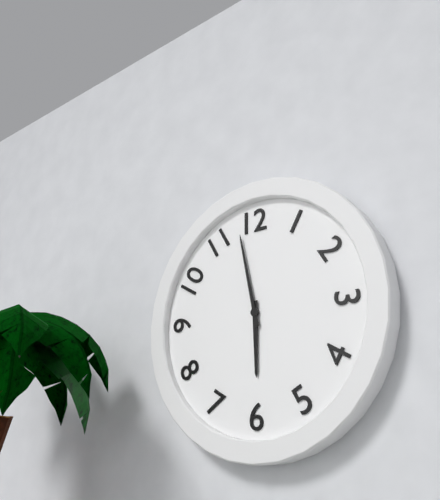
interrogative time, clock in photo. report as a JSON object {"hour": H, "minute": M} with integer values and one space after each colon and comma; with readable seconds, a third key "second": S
{"hour": 5, "minute": 58}
